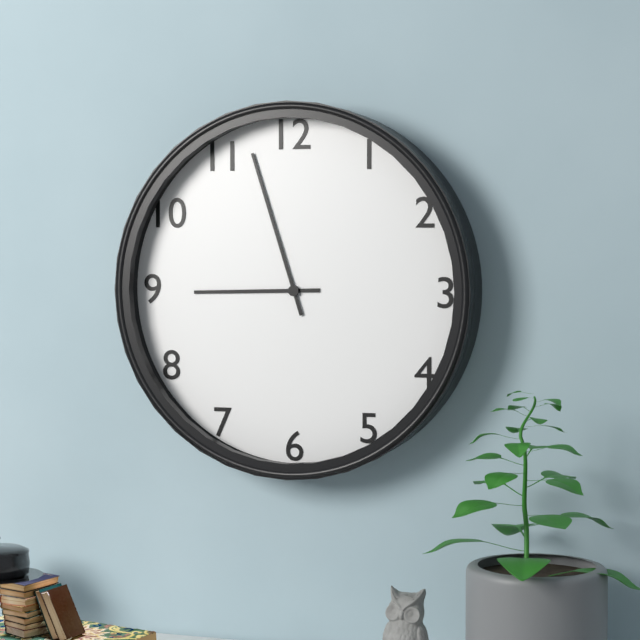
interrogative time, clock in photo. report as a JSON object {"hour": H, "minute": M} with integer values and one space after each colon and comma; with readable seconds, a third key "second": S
{"hour": 8, "minute": 57}
